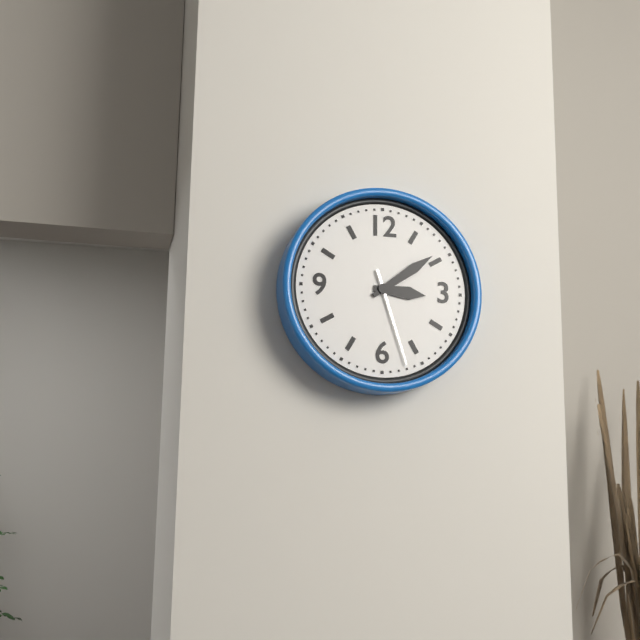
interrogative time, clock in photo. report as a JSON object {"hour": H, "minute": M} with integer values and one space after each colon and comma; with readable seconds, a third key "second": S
{"hour": 3, "minute": 9, "second": 27}
